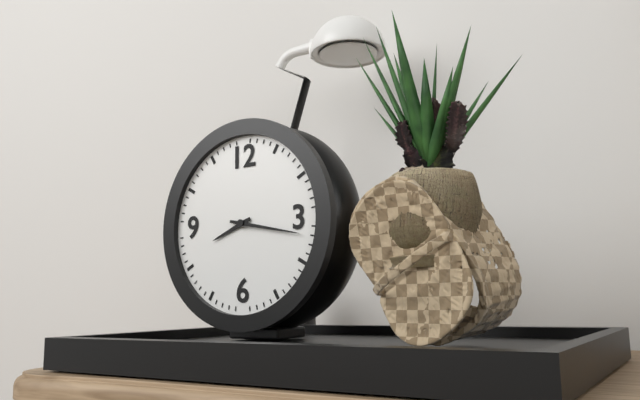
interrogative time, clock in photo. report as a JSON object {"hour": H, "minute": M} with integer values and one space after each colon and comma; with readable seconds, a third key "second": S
{"hour": 8, "minute": 17}
